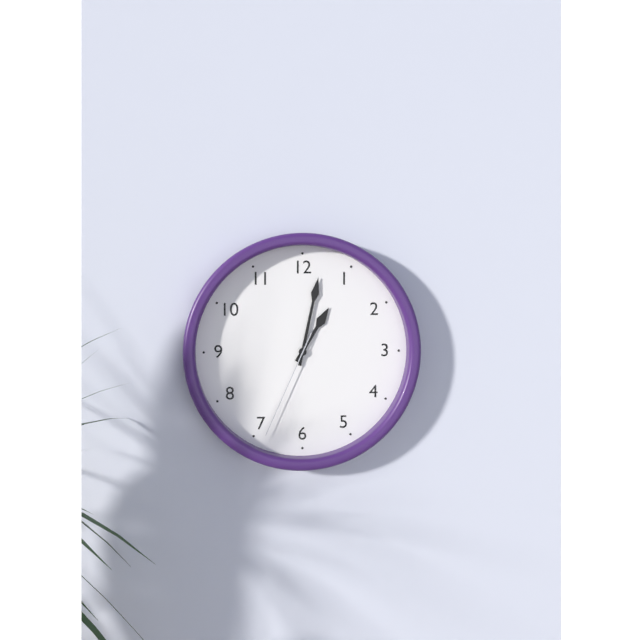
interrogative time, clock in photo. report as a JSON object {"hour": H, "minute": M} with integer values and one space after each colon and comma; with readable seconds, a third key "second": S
{"hour": 1, "minute": 2, "second": 34}
